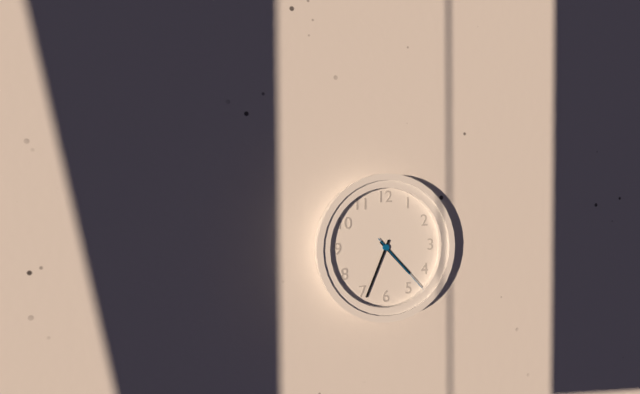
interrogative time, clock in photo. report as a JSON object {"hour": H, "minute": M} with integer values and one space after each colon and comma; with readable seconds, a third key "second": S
{"hour": 4, "minute": 34, "second": 23}
